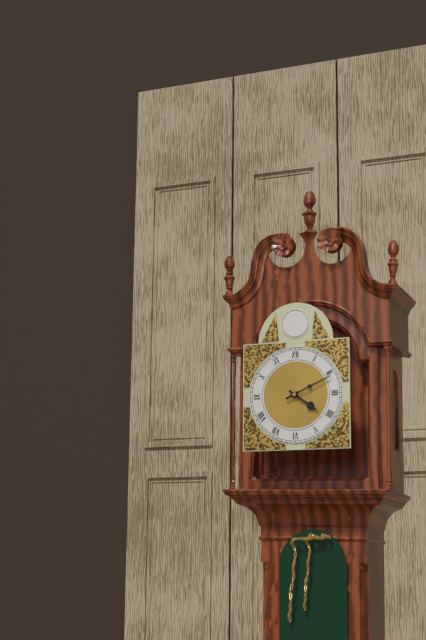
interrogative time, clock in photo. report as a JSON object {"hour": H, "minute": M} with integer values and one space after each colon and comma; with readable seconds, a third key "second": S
{"hour": 4, "minute": 11}
